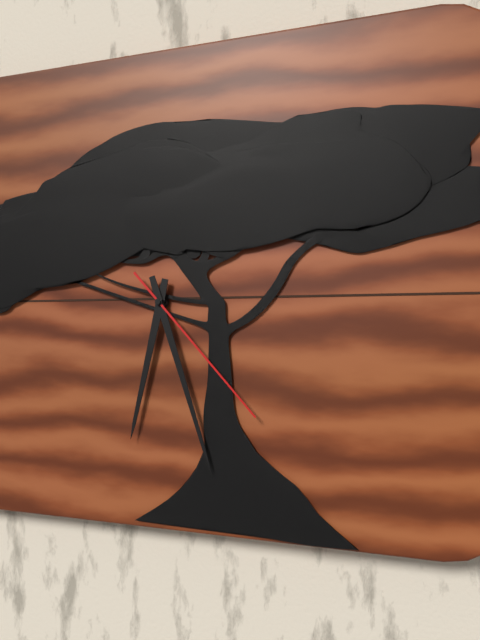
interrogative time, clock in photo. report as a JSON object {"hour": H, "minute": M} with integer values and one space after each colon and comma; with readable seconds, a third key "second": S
{"hour": 6, "minute": 27, "second": 23}
